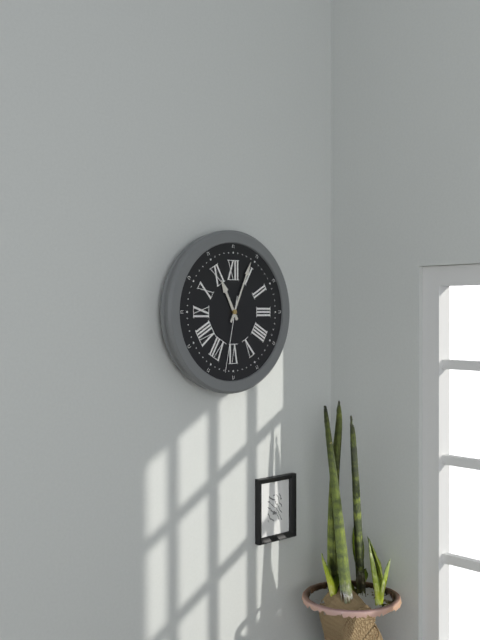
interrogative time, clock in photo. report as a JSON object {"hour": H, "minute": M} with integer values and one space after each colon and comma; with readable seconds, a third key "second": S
{"hour": 11, "minute": 4, "second": 32}
